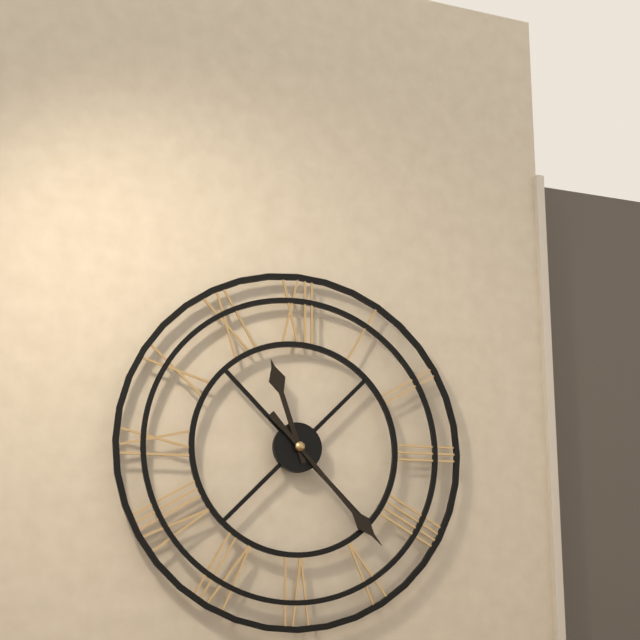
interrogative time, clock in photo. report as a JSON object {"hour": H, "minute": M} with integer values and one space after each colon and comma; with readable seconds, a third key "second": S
{"hour": 11, "minute": 23}
